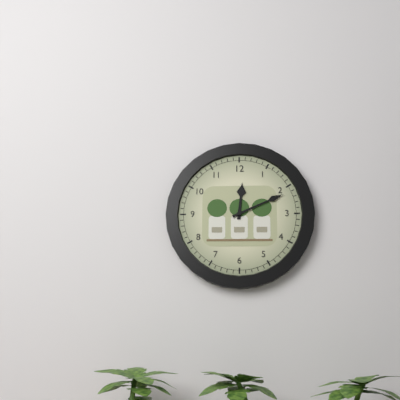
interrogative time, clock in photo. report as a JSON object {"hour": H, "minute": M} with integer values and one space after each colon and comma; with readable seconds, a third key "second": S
{"hour": 12, "minute": 11}
